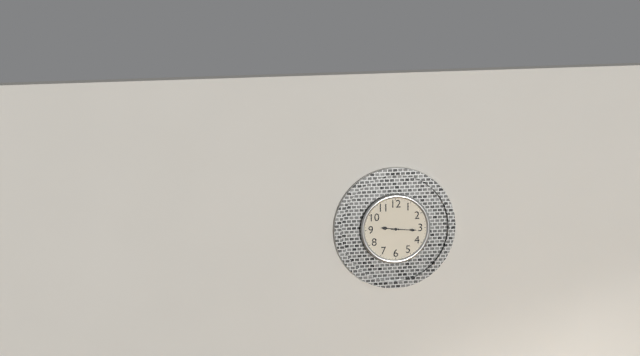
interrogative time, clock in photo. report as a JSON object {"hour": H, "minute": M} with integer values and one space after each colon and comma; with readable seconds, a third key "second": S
{"hour": 9, "minute": 16}
